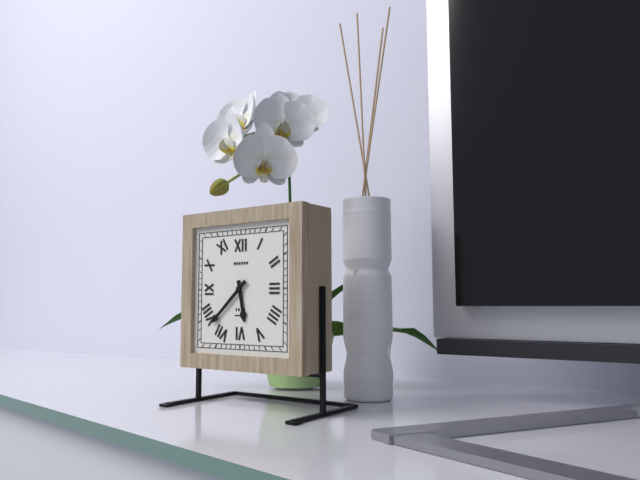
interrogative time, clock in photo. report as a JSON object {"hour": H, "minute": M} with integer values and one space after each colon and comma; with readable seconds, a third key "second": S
{"hour": 5, "minute": 38}
